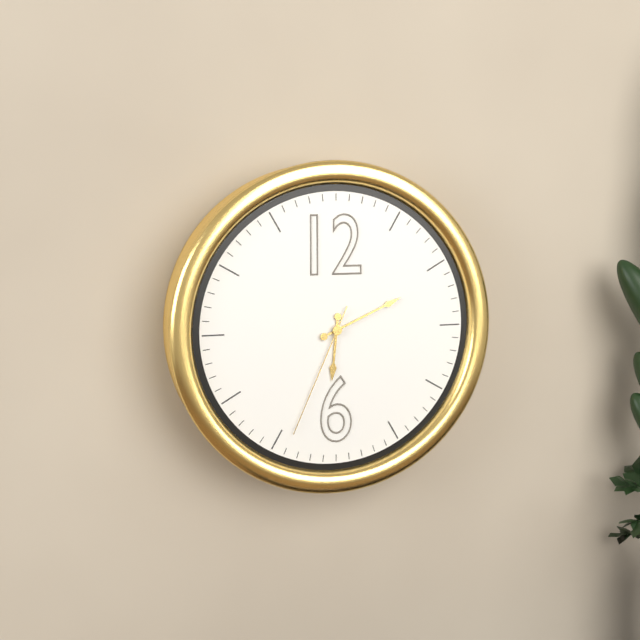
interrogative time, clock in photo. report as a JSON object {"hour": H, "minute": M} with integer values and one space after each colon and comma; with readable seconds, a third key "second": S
{"hour": 6, "minute": 11, "second": 34}
